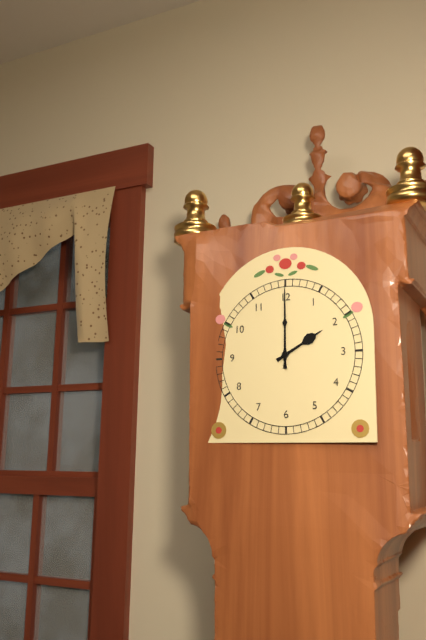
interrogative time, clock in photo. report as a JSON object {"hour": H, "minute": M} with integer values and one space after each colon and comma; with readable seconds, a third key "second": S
{"hour": 2, "minute": 0}
